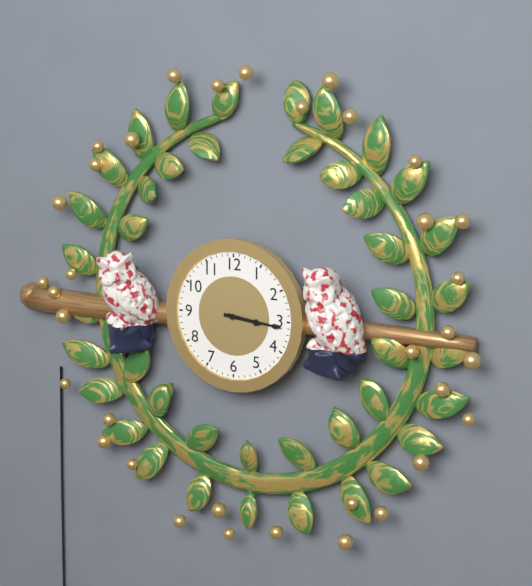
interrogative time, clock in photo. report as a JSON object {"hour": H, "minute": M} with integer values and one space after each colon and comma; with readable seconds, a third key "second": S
{"hour": 3, "minute": 16}
